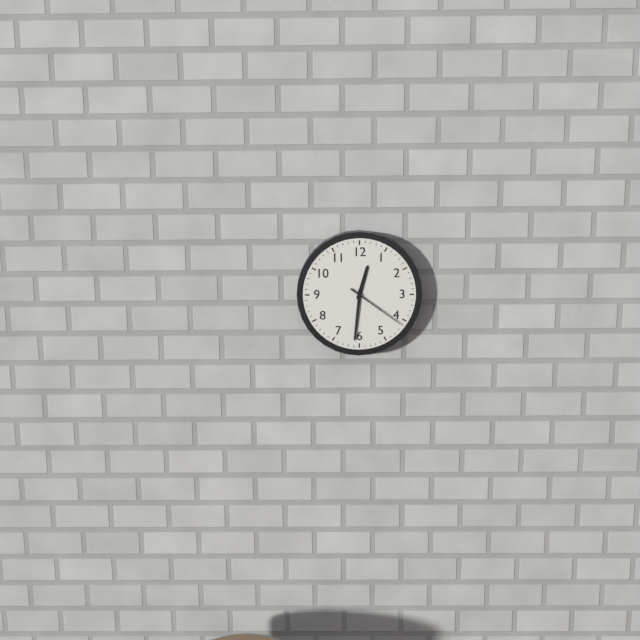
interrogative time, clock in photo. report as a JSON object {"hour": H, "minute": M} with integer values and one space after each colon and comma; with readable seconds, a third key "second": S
{"hour": 12, "minute": 31, "second": 21}
